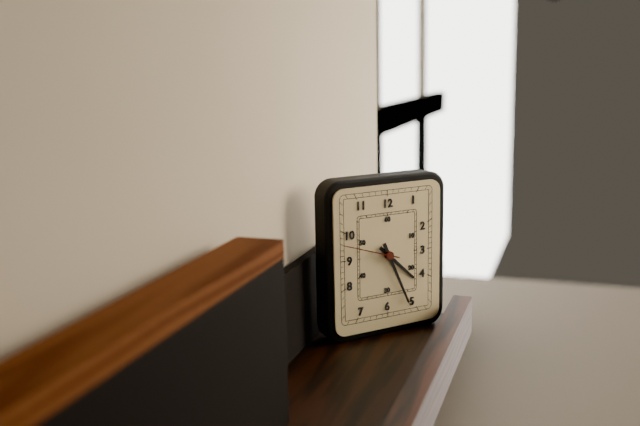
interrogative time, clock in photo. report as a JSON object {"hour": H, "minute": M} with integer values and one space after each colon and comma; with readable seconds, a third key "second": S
{"hour": 4, "minute": 26, "second": 48}
